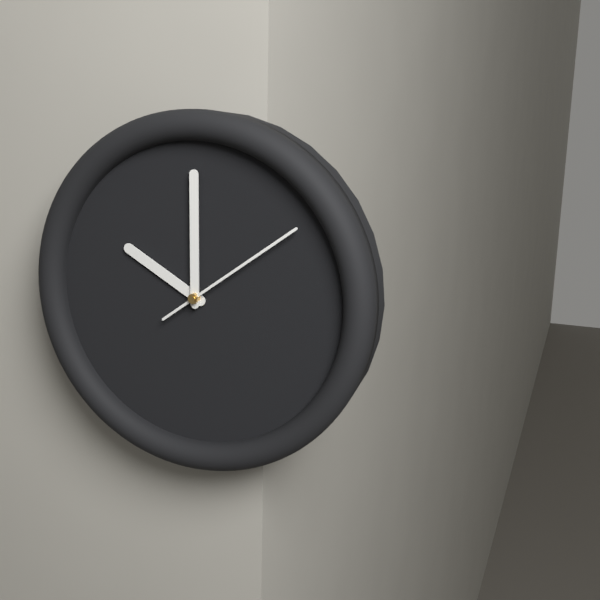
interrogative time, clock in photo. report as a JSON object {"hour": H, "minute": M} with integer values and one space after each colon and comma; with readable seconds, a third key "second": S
{"hour": 10, "minute": 0, "second": 9}
